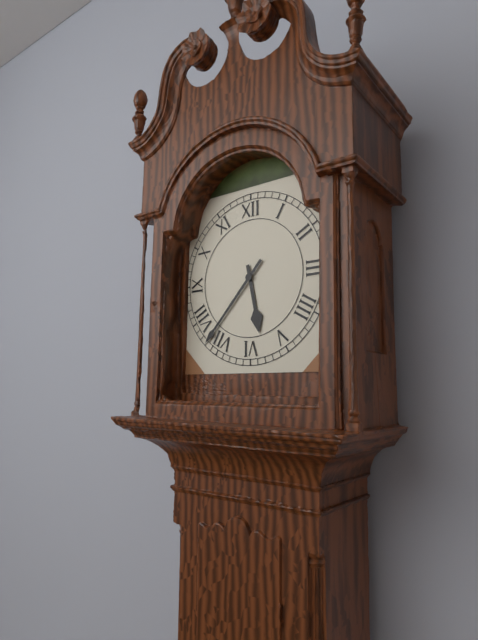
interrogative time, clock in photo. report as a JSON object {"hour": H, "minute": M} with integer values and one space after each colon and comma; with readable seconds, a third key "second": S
{"hour": 5, "minute": 37}
